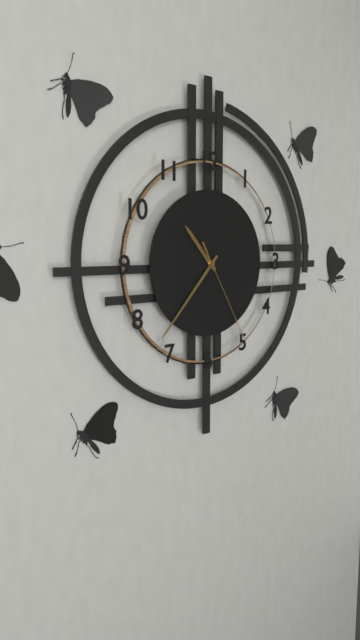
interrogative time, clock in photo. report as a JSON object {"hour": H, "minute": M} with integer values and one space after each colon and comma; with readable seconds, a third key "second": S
{"hour": 10, "minute": 37, "second": 25}
